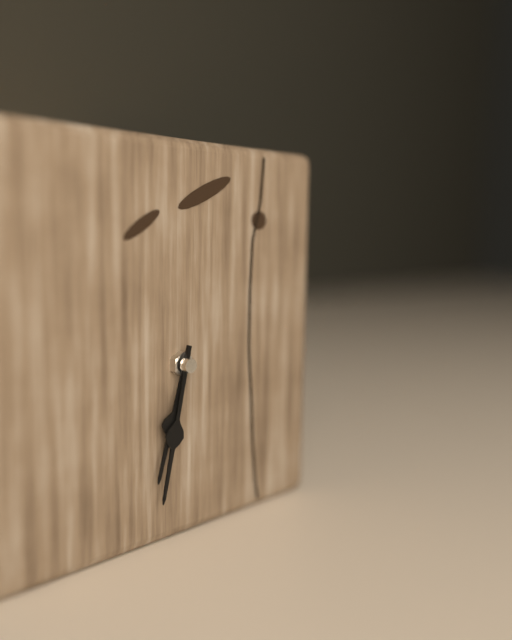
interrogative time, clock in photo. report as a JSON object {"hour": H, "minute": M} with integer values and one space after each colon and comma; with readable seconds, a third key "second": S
{"hour": 6, "minute": 32}
